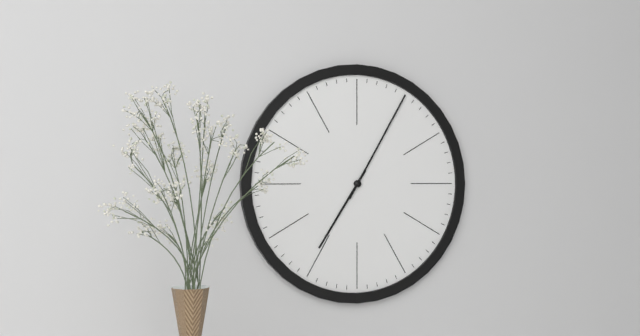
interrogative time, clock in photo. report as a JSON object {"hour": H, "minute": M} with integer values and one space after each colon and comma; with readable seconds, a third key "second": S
{"hour": 7, "minute": 5}
